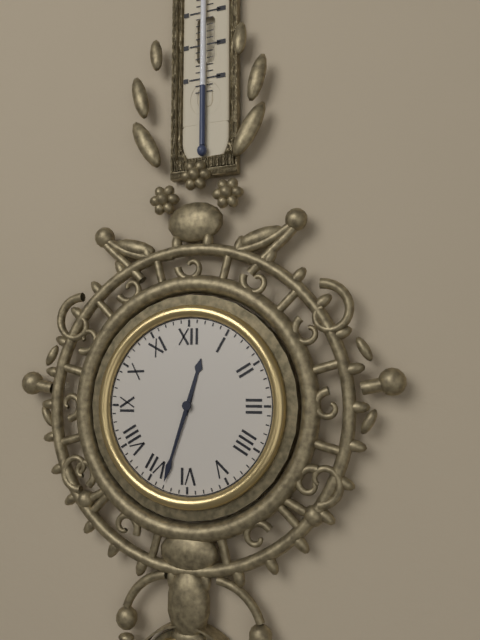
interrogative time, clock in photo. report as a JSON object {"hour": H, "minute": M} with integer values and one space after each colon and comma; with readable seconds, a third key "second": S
{"hour": 12, "minute": 33}
